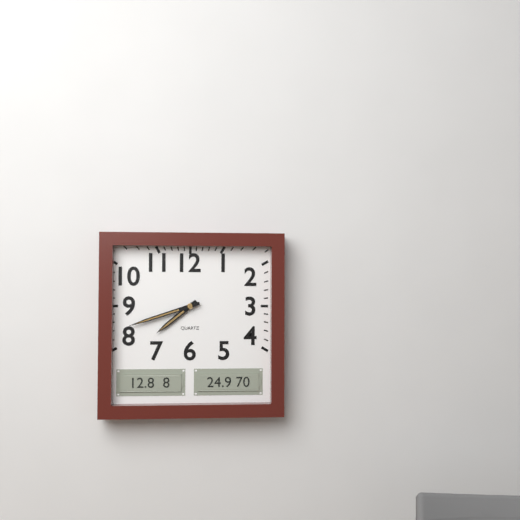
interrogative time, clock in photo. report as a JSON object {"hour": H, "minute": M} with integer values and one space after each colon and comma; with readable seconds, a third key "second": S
{"hour": 7, "minute": 42}
